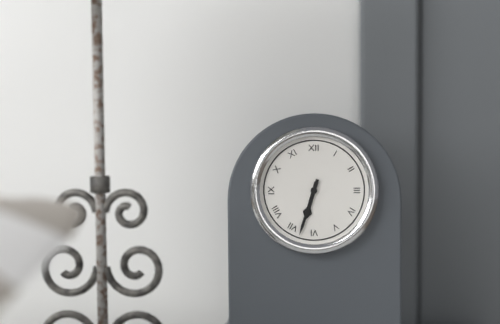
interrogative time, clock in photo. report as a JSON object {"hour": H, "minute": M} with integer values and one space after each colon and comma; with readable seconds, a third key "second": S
{"hour": 6, "minute": 33}
